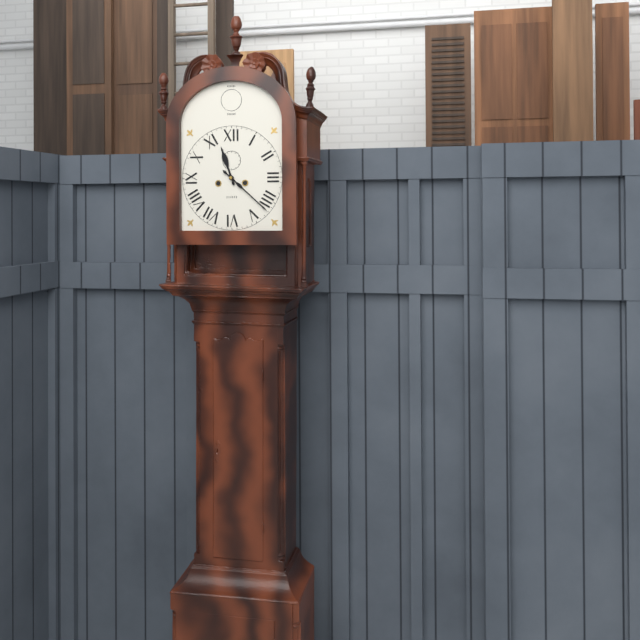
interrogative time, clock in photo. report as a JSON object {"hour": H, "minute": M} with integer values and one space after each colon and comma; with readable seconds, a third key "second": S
{"hour": 11, "minute": 22}
